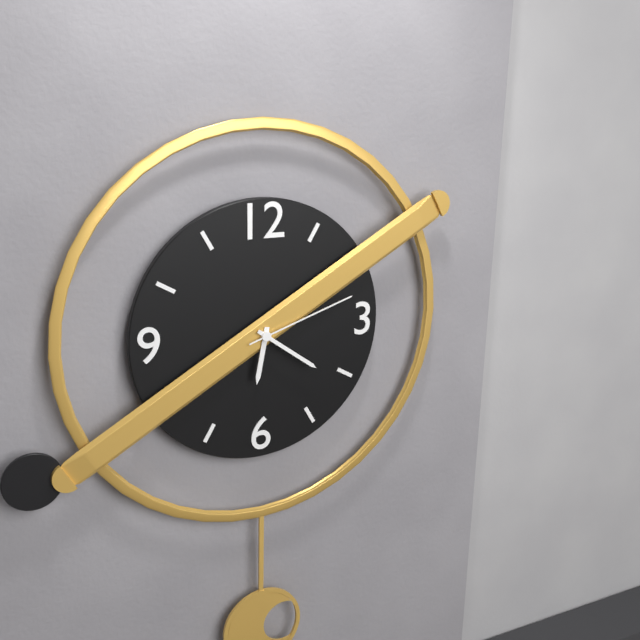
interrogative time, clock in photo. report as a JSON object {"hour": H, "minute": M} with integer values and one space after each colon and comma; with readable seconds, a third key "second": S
{"hour": 6, "minute": 21, "second": 12}
